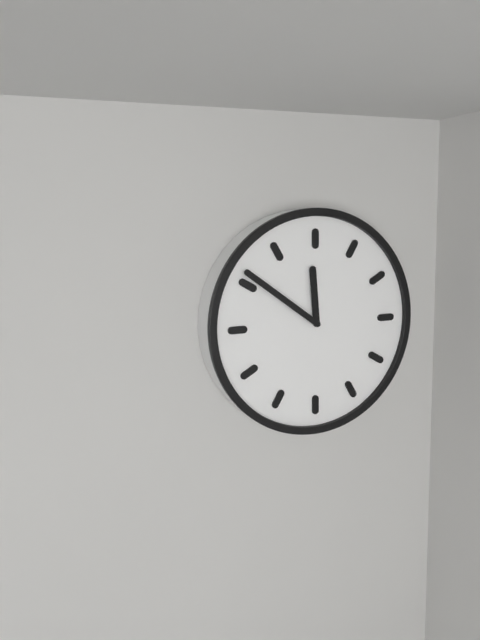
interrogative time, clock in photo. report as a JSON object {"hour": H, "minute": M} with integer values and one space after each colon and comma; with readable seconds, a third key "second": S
{"hour": 11, "minute": 51}
